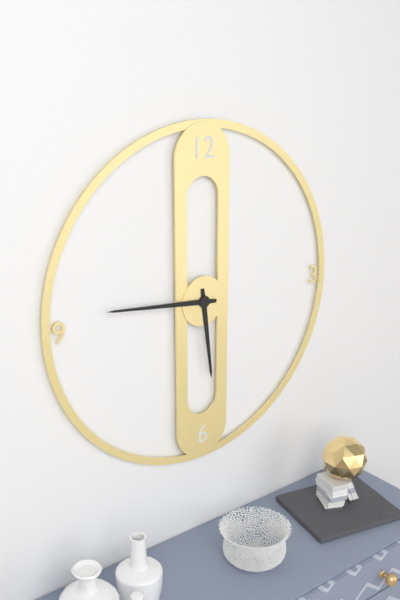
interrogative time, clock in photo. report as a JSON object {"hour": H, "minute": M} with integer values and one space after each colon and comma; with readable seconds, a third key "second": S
{"hour": 5, "minute": 46}
